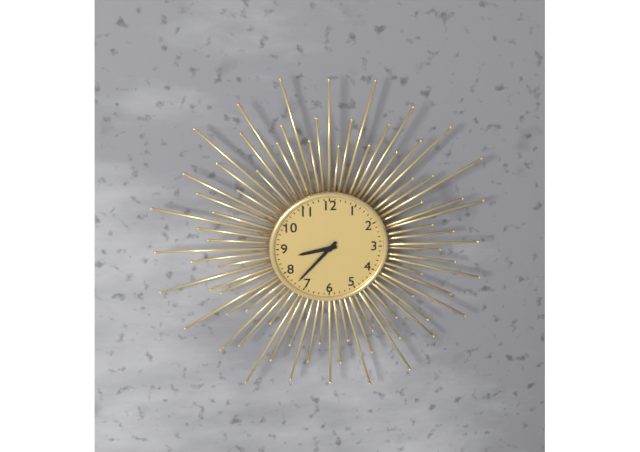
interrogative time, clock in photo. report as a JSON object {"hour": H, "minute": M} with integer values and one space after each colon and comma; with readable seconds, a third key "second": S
{"hour": 8, "minute": 37}
